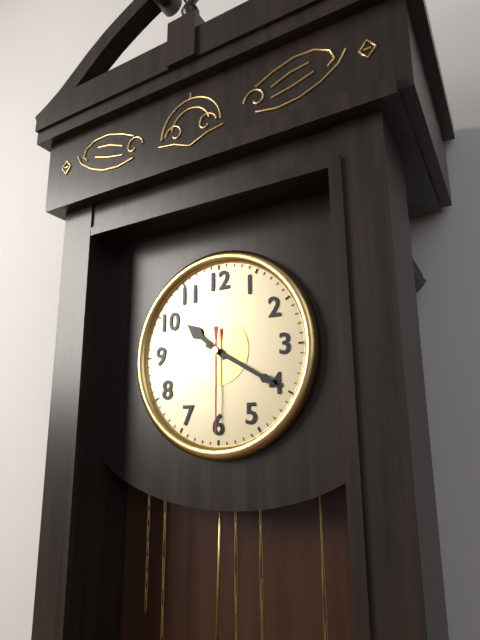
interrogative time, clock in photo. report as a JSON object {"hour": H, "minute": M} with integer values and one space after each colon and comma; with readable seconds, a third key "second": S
{"hour": 10, "minute": 20, "second": 30}
